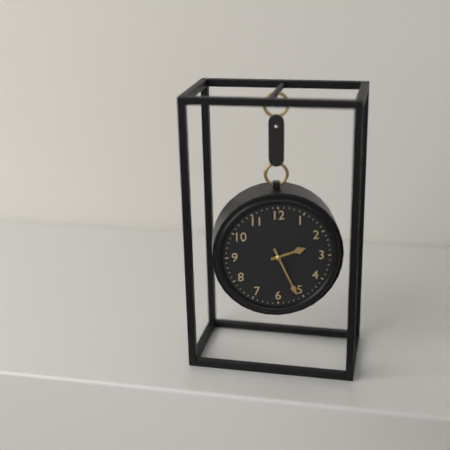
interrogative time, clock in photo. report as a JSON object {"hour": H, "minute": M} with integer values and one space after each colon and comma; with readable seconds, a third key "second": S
{"hour": 2, "minute": 26}
